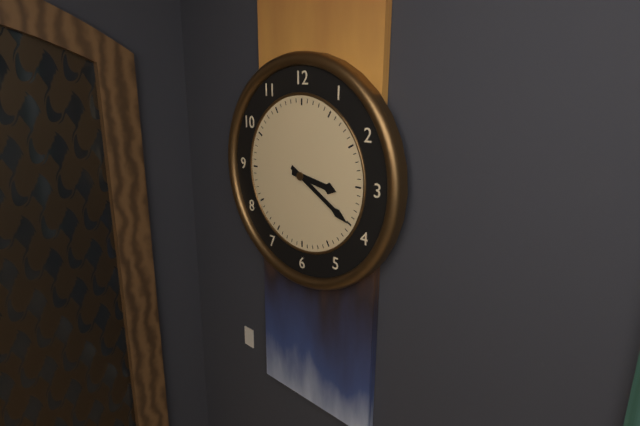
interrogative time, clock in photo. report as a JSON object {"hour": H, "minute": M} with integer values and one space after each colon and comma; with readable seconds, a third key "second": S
{"hour": 3, "minute": 20}
